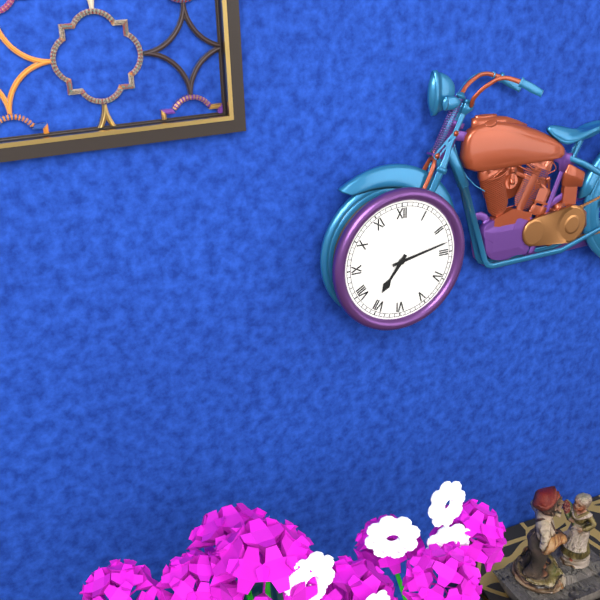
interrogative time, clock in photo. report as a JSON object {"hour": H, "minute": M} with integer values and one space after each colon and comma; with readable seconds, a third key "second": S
{"hour": 7, "minute": 13}
